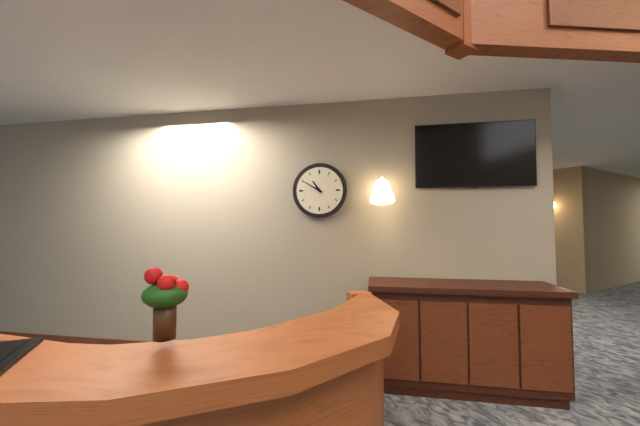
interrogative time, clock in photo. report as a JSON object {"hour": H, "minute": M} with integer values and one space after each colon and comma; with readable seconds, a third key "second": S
{"hour": 10, "minute": 50}
